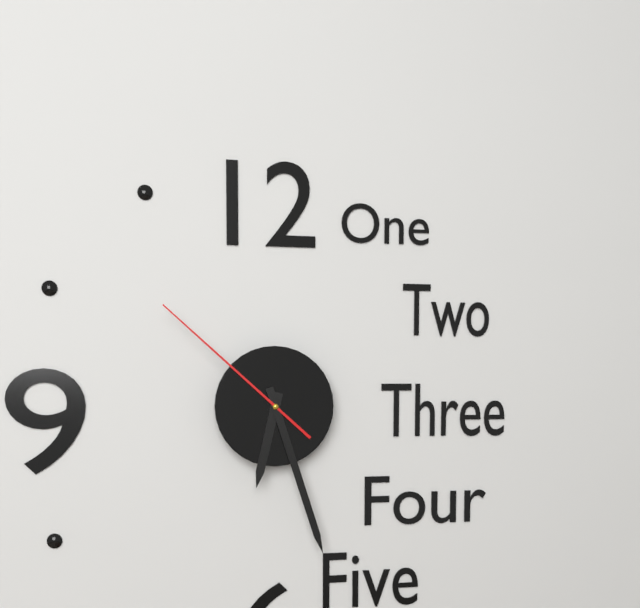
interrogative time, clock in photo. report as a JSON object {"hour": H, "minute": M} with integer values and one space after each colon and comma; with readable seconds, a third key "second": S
{"hour": 6, "minute": 27, "second": 52}
